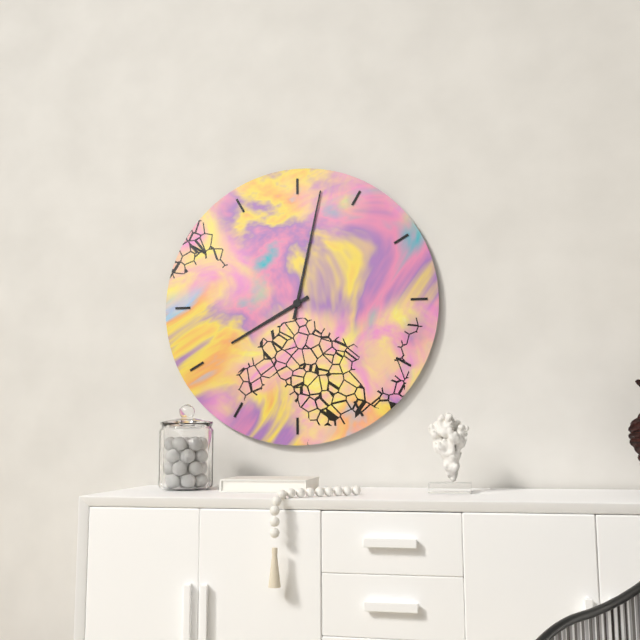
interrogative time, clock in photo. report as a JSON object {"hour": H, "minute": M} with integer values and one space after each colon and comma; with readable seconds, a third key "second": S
{"hour": 8, "minute": 2}
